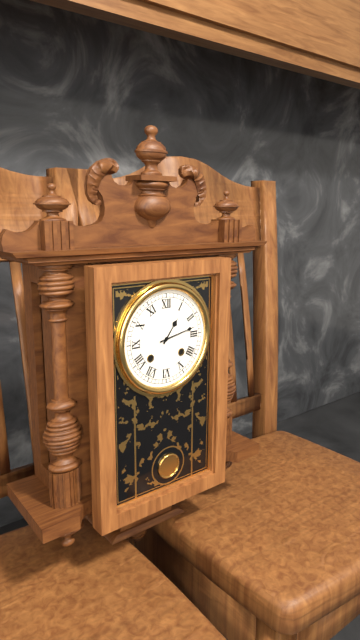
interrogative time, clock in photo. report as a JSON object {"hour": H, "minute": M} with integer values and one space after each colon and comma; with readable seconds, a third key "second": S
{"hour": 1, "minute": 13}
